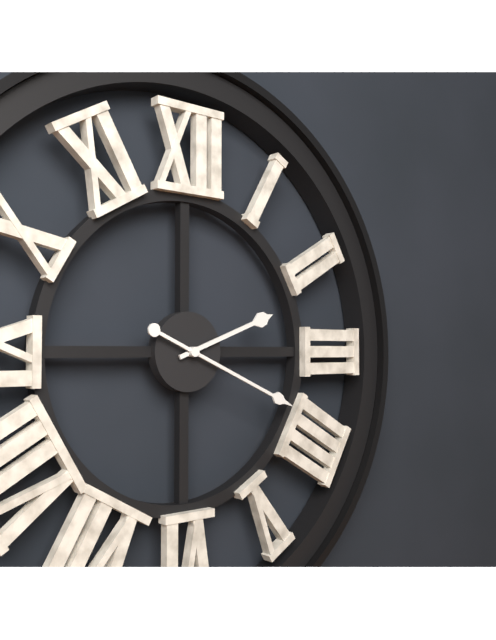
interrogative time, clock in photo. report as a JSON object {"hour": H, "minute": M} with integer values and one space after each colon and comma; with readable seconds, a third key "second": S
{"hour": 2, "minute": 19}
